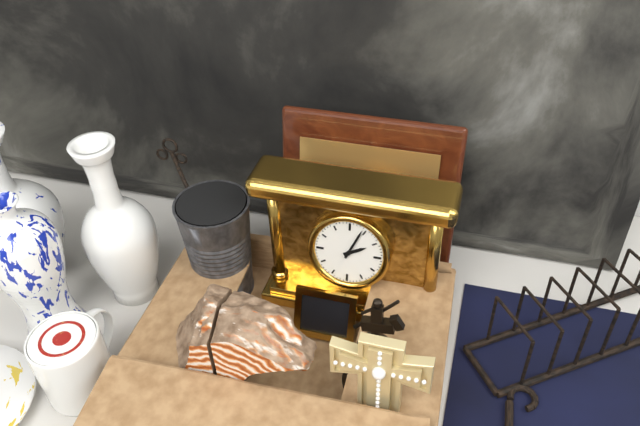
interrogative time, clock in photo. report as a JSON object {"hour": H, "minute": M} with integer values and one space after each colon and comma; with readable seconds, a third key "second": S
{"hour": 2, "minute": 4}
